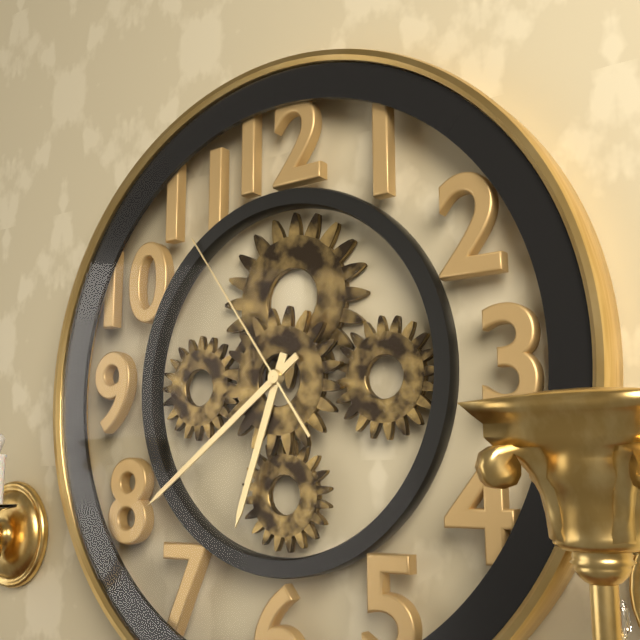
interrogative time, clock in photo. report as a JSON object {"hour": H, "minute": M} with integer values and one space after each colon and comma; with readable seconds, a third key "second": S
{"hour": 6, "minute": 39, "second": 54}
